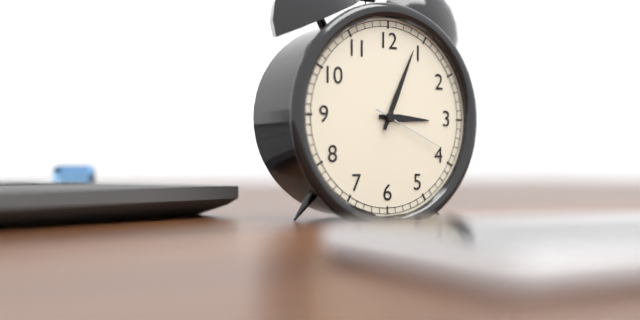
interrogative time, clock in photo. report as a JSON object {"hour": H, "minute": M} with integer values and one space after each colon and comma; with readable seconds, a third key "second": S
{"hour": 3, "minute": 4, "second": 19}
